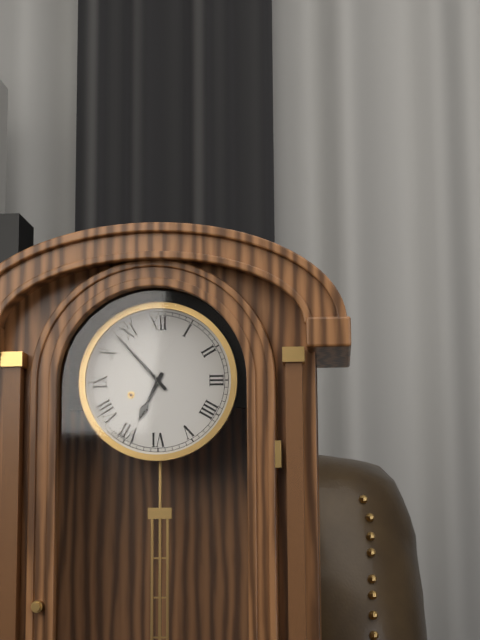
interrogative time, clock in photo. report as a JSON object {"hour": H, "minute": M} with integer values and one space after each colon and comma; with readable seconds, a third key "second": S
{"hour": 6, "minute": 53}
